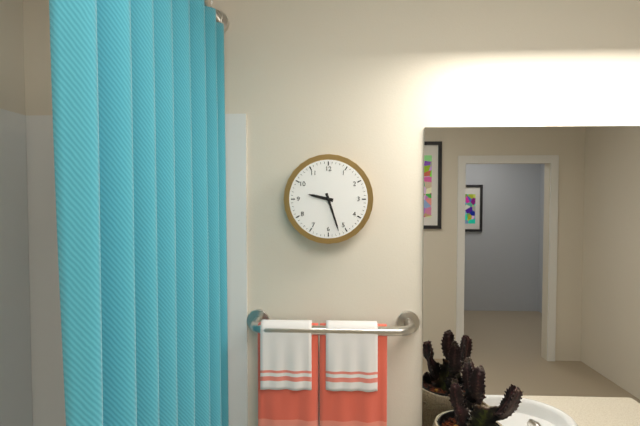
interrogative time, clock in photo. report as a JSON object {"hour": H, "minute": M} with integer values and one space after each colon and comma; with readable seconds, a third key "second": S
{"hour": 9, "minute": 27}
